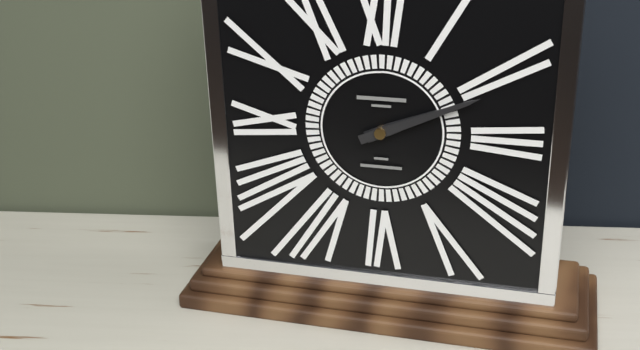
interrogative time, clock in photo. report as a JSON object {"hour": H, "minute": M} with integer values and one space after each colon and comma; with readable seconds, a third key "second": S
{"hour": 2, "minute": 11}
